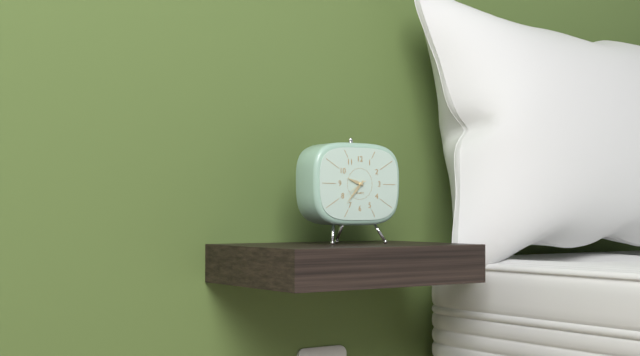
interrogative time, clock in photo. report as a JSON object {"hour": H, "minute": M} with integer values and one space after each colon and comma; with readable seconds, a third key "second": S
{"hour": 9, "minute": 37}
